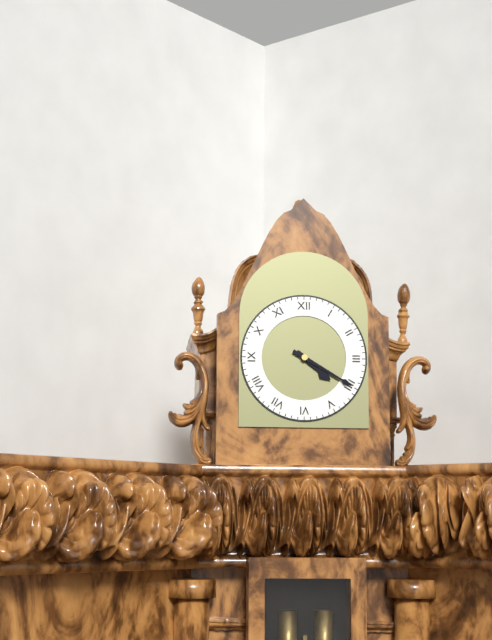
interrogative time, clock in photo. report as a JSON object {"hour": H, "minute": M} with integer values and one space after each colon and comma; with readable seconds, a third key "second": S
{"hour": 4, "minute": 20}
